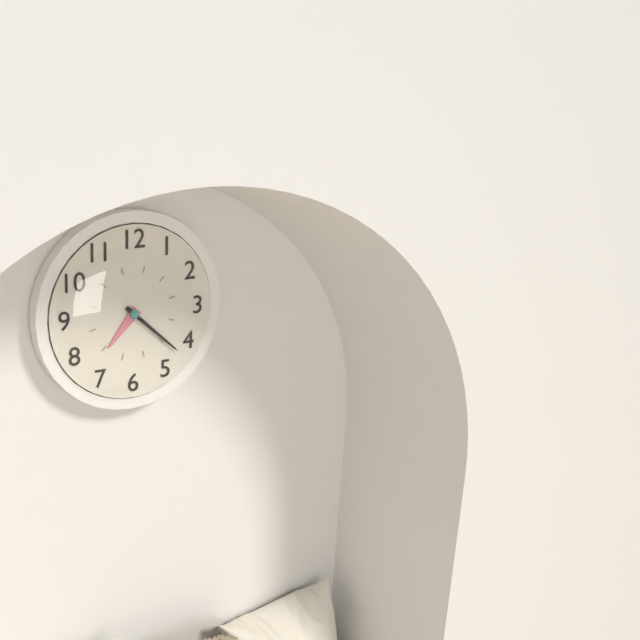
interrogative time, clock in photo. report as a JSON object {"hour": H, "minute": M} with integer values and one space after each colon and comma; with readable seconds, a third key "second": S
{"hour": 7, "minute": 22}
